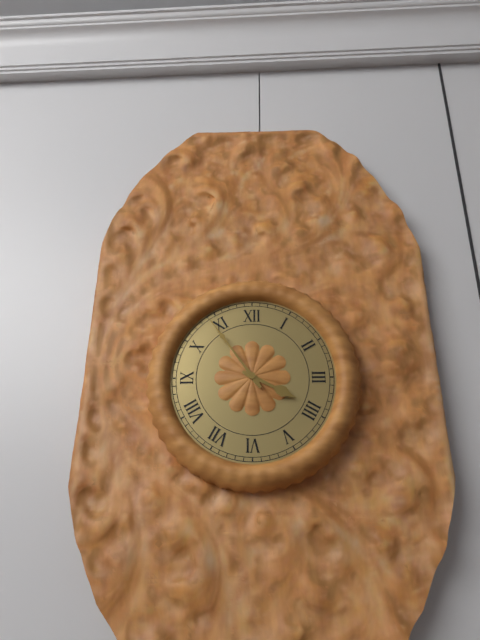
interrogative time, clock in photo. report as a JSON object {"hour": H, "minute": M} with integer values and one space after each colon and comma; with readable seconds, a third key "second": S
{"hour": 3, "minute": 54}
